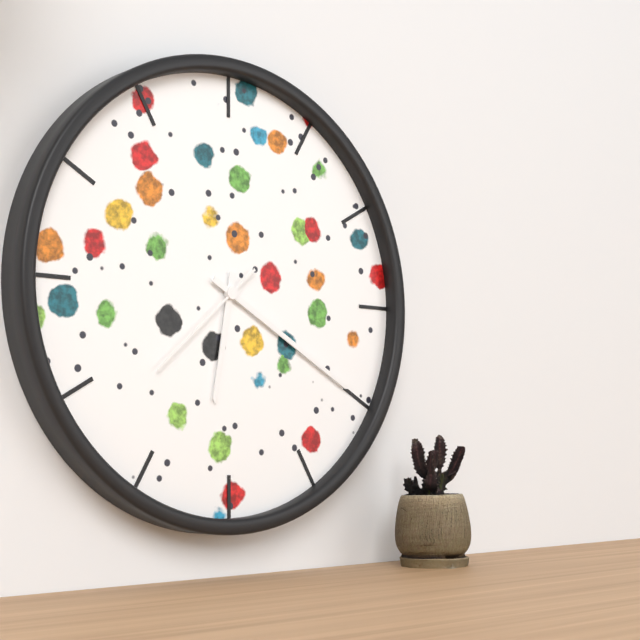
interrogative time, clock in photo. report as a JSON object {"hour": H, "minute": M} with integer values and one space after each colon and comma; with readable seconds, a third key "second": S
{"hour": 6, "minute": 20, "second": 38}
